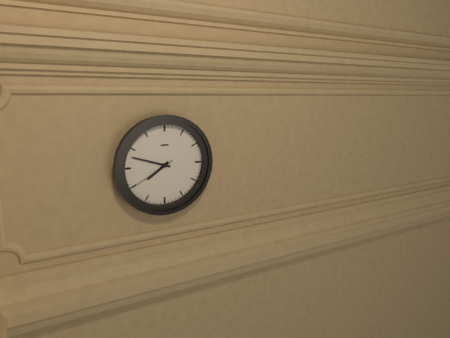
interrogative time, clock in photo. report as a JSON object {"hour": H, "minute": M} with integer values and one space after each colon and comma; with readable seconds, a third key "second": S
{"hour": 7, "minute": 48}
